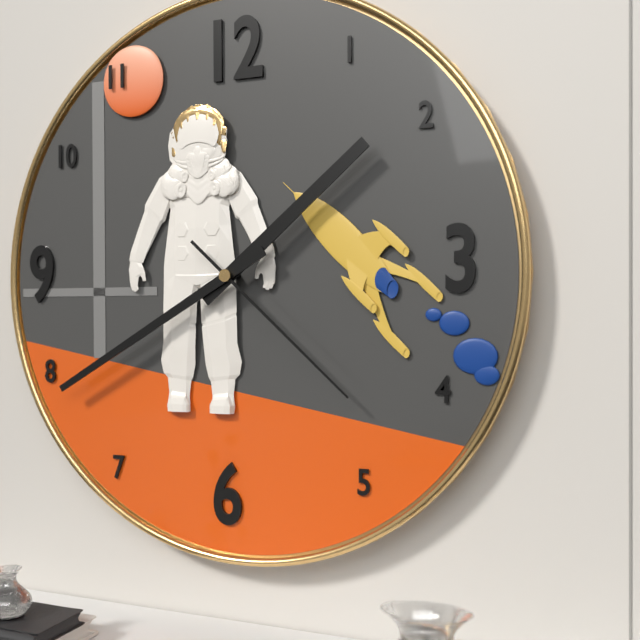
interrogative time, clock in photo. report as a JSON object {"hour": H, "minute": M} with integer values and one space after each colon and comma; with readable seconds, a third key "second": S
{"hour": 1, "minute": 40, "second": 22}
